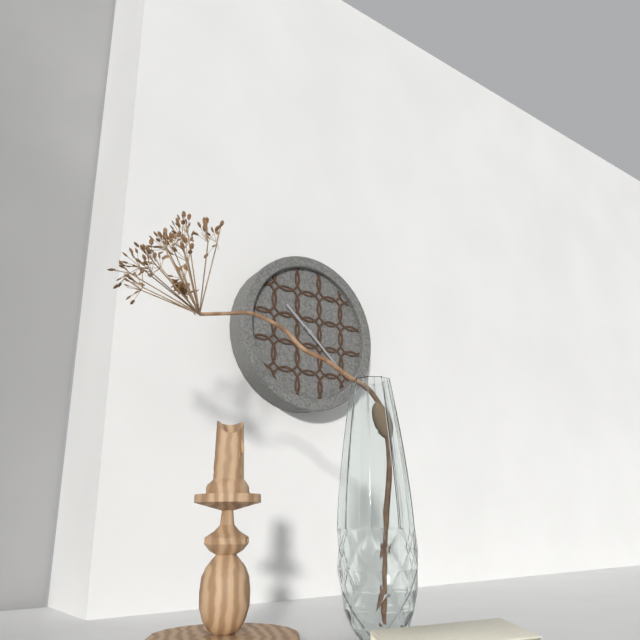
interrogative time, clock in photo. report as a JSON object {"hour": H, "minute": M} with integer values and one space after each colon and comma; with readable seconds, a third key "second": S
{"hour": 10, "minute": 22}
